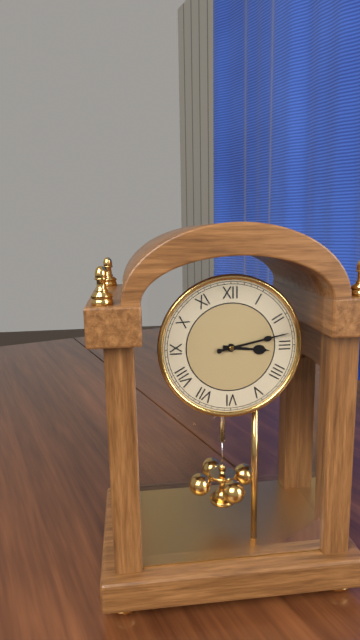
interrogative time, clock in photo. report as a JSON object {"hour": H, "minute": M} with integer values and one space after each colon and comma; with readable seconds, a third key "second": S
{"hour": 3, "minute": 13}
